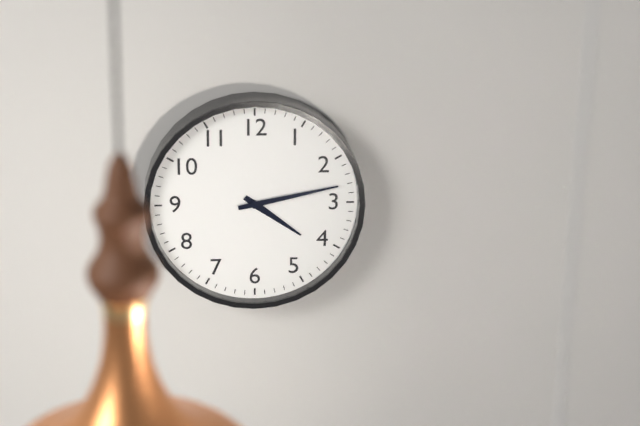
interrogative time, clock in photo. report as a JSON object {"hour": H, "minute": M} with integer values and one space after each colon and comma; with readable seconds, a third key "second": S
{"hour": 4, "minute": 13}
